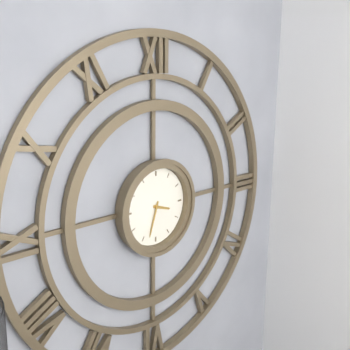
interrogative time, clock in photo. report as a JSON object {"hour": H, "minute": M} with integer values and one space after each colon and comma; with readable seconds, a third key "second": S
{"hour": 3, "minute": 33}
